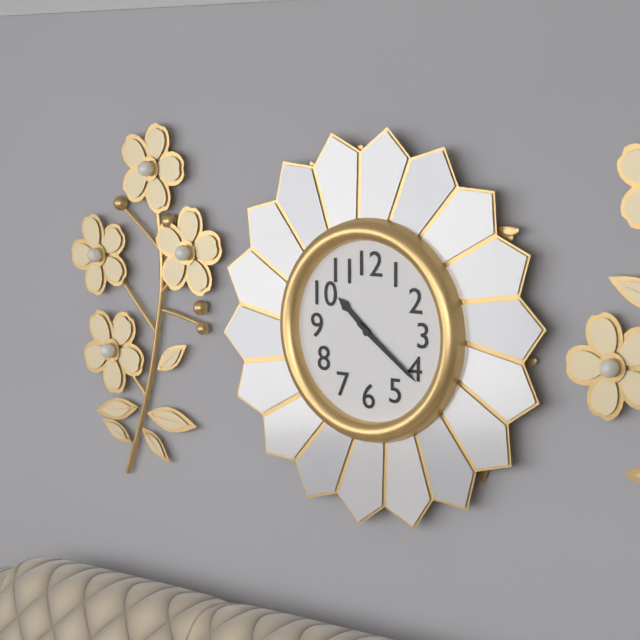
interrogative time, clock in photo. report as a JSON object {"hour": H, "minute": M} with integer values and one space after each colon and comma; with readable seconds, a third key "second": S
{"hour": 10, "minute": 21}
